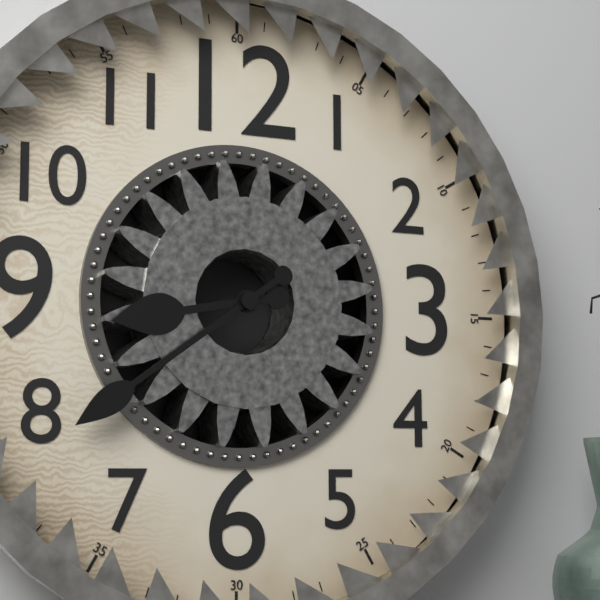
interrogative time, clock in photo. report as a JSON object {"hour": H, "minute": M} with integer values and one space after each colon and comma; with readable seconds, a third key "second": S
{"hour": 8, "minute": 39}
